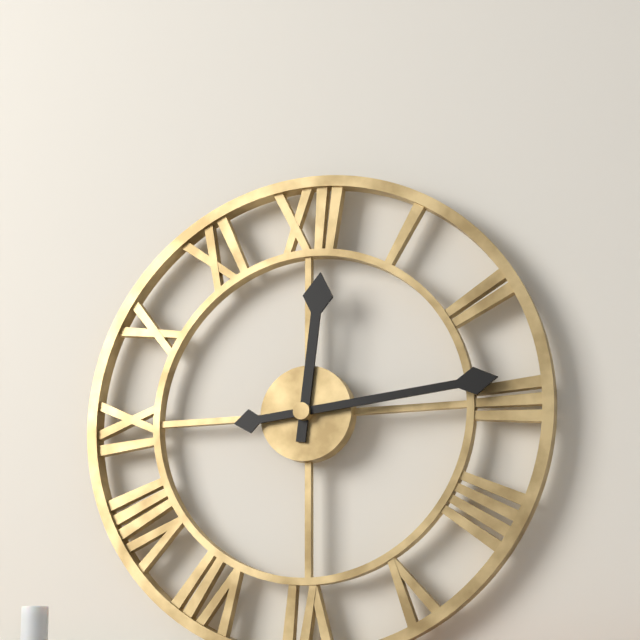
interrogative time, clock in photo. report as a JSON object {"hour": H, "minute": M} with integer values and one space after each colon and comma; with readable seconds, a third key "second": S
{"hour": 12, "minute": 14}
